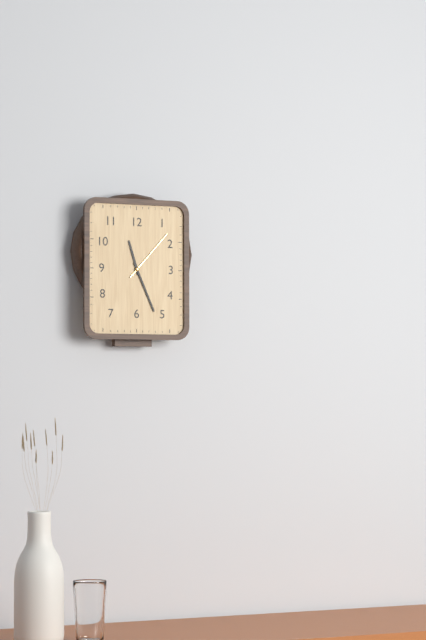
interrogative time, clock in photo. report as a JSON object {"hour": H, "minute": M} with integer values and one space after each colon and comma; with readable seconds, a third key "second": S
{"hour": 11, "minute": 26, "second": 7}
